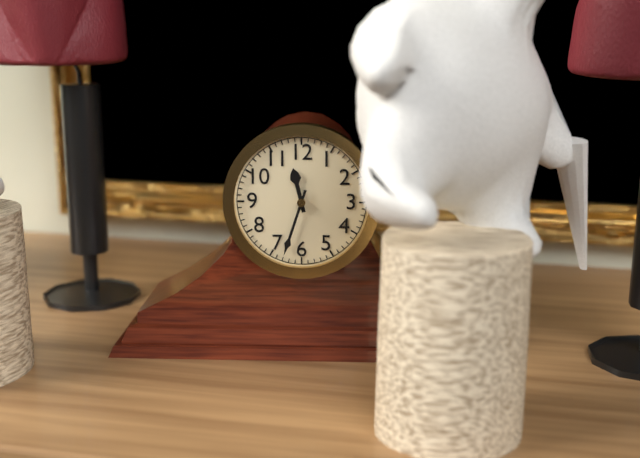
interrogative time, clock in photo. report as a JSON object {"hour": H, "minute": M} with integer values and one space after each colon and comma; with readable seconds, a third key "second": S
{"hour": 11, "minute": 33}
